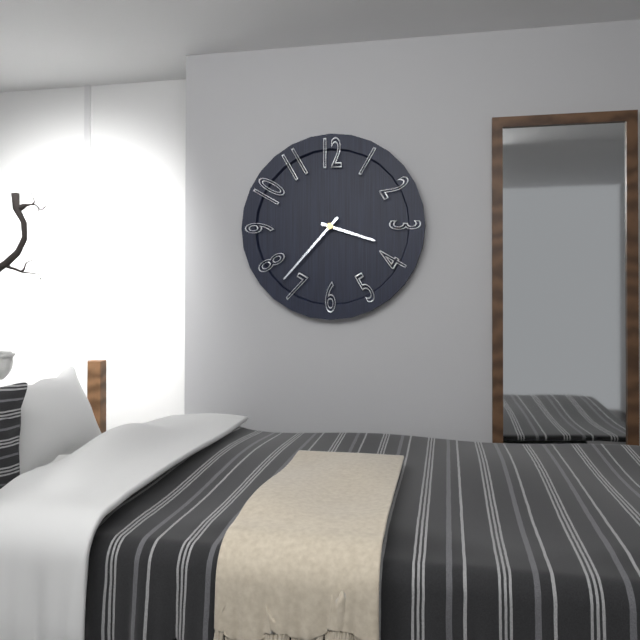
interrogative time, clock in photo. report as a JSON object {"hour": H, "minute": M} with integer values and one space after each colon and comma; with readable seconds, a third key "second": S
{"hour": 3, "minute": 37}
